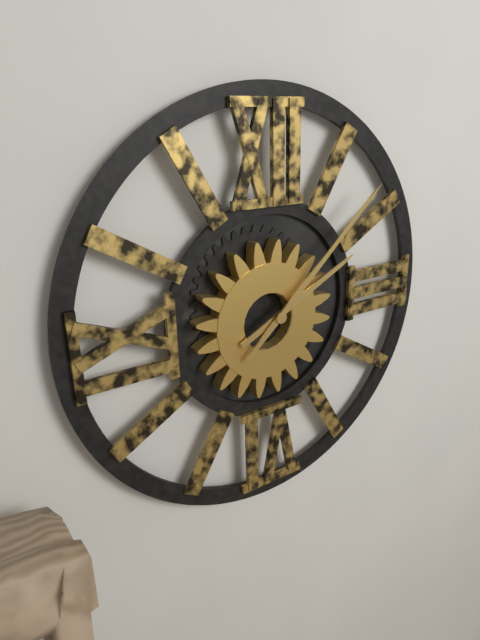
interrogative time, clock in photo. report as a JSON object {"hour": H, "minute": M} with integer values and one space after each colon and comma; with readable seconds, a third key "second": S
{"hour": 2, "minute": 8}
